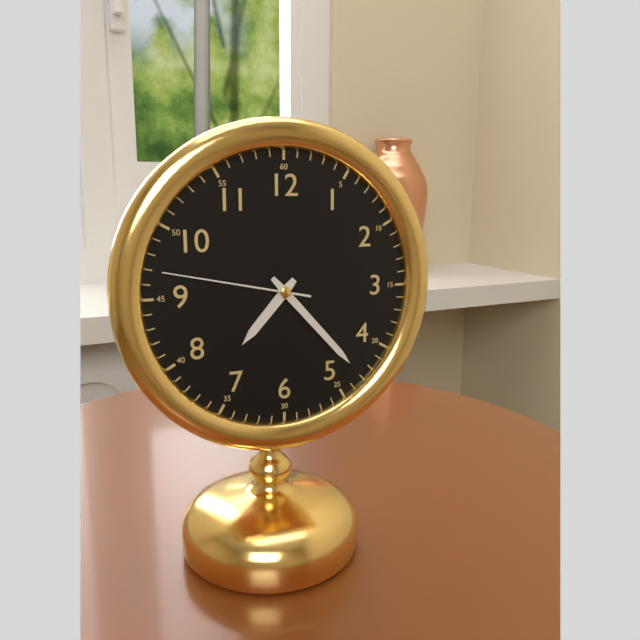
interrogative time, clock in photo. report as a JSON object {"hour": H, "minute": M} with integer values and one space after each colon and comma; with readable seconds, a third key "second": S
{"hour": 7, "minute": 23, "second": 47}
